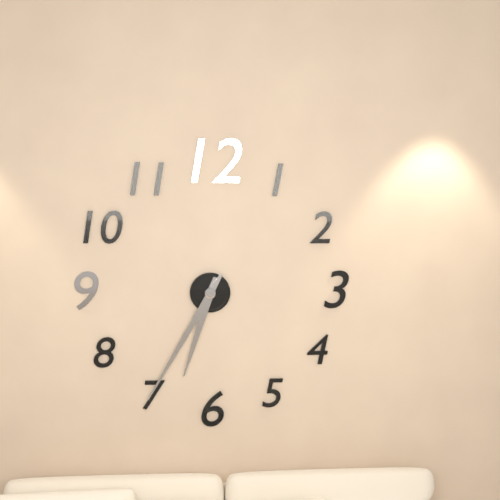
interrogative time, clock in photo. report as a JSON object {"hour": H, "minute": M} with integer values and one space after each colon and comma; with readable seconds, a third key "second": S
{"hour": 6, "minute": 35}
